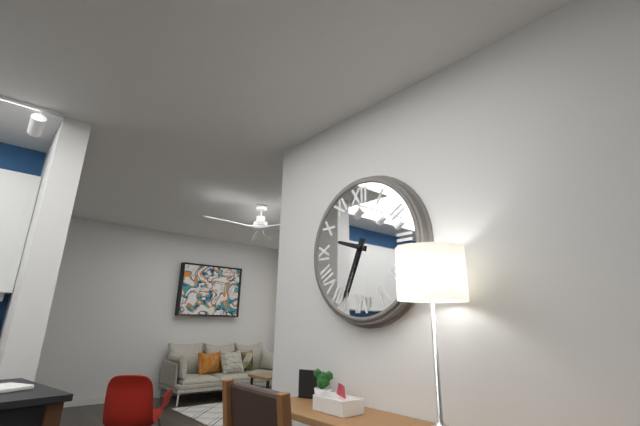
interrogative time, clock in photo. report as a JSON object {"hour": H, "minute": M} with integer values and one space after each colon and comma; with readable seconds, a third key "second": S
{"hour": 9, "minute": 34}
